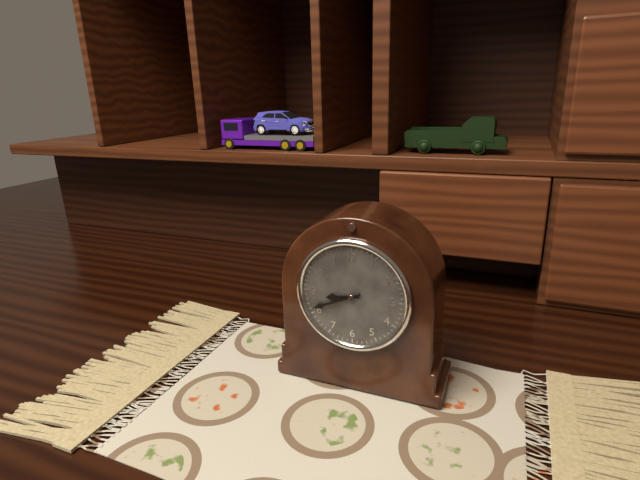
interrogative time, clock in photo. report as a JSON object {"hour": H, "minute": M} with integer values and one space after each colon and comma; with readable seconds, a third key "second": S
{"hour": 8, "minute": 41}
